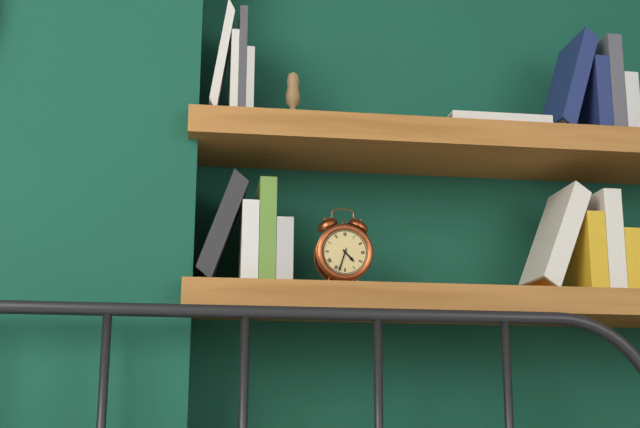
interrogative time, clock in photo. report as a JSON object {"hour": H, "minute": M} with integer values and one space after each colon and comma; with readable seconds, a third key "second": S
{"hour": 4, "minute": 33}
